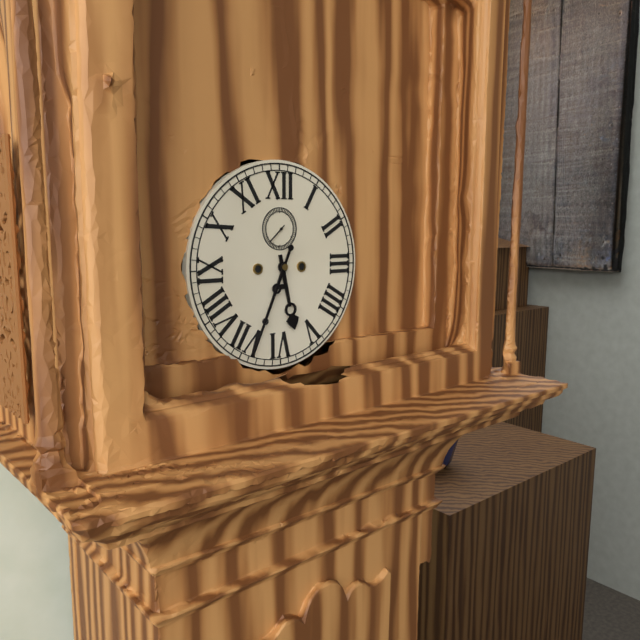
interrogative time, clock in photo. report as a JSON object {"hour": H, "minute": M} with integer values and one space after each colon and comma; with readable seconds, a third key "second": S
{"hour": 5, "minute": 34}
